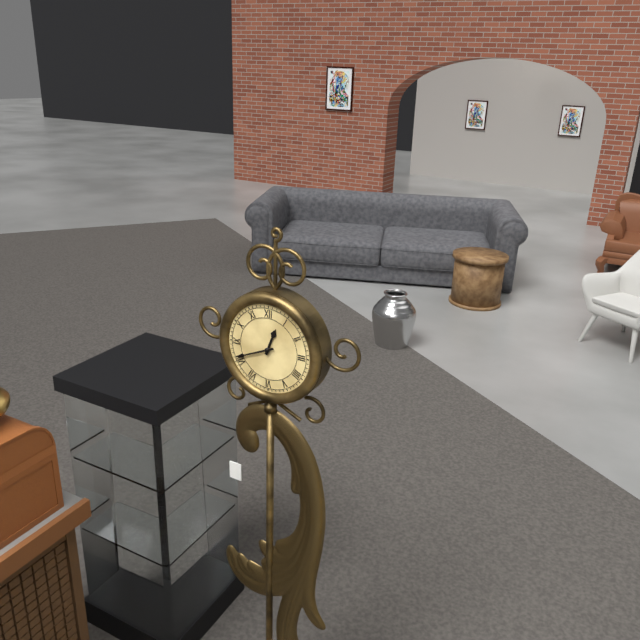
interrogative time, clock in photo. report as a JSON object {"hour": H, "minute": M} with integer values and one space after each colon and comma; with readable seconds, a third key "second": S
{"hour": 12, "minute": 41}
